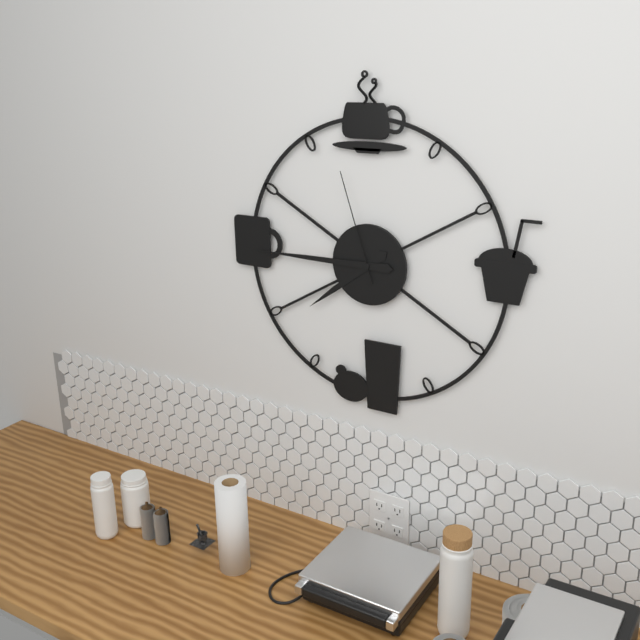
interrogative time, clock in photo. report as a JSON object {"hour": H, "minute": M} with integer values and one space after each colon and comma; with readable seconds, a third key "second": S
{"hour": 7, "minute": 45, "second": 57}
